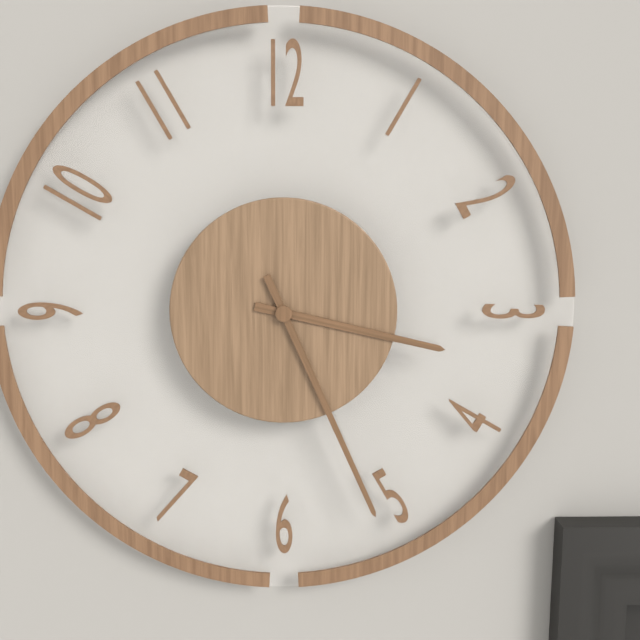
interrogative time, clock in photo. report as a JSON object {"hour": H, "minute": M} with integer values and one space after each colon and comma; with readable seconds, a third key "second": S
{"hour": 3, "minute": 26}
